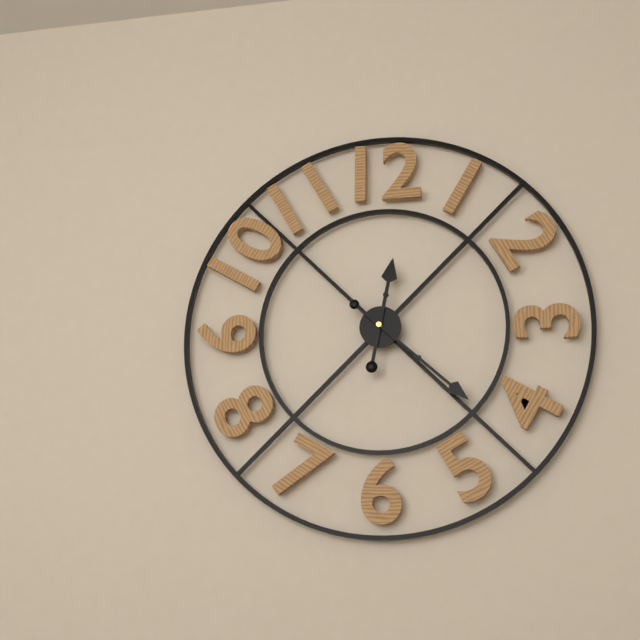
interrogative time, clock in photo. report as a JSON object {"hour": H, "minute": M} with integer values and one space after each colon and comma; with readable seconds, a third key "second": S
{"hour": 12, "minute": 22}
